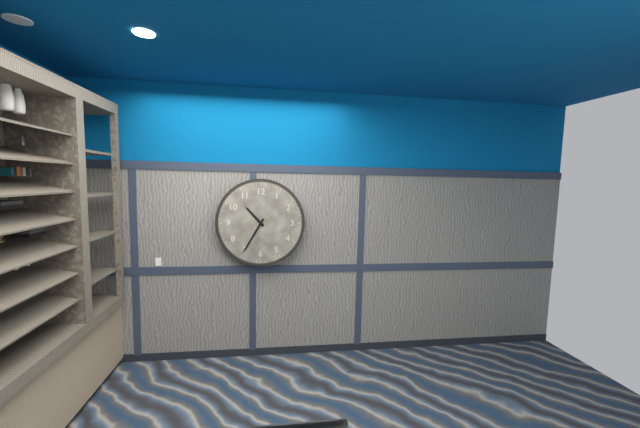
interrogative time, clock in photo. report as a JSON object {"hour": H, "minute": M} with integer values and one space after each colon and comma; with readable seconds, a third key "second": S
{"hour": 10, "minute": 35}
